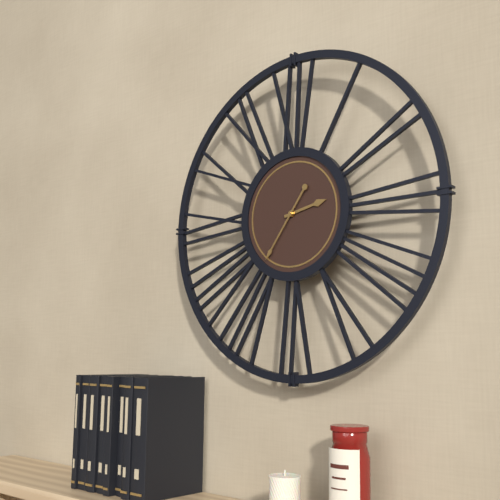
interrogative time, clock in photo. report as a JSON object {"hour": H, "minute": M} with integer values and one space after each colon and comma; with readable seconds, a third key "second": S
{"hour": 2, "minute": 36}
